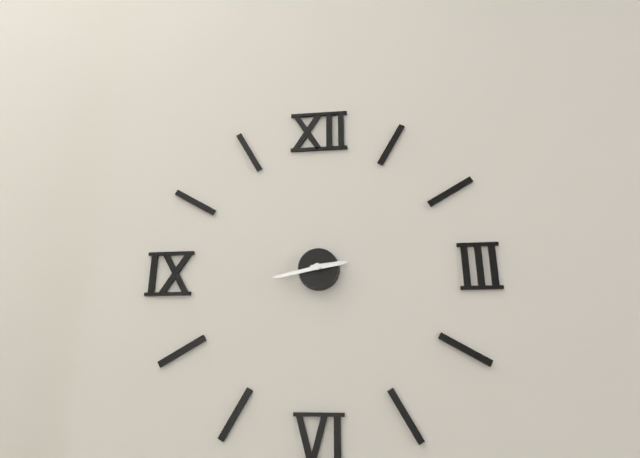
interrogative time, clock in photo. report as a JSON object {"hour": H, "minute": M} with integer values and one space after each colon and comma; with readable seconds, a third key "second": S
{"hour": 2, "minute": 43}
